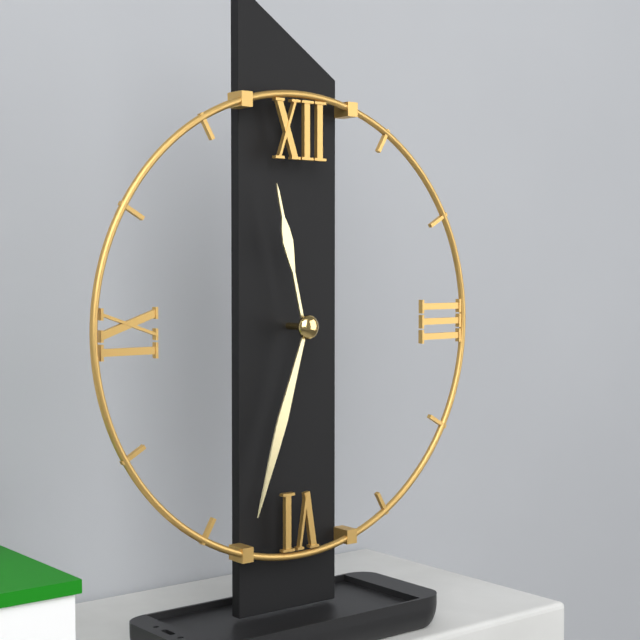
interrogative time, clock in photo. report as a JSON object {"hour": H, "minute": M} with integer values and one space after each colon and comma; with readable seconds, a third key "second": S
{"hour": 11, "minute": 33}
